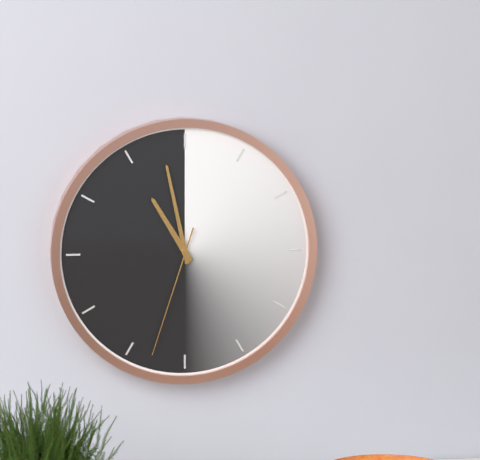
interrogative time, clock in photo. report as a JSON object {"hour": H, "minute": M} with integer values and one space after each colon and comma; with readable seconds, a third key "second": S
{"hour": 10, "minute": 58, "second": 33}
